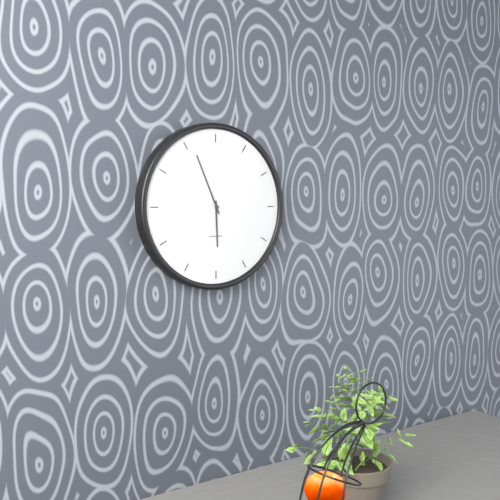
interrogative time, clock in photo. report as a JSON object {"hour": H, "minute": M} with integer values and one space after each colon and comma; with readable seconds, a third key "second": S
{"hour": 5, "minute": 56}
